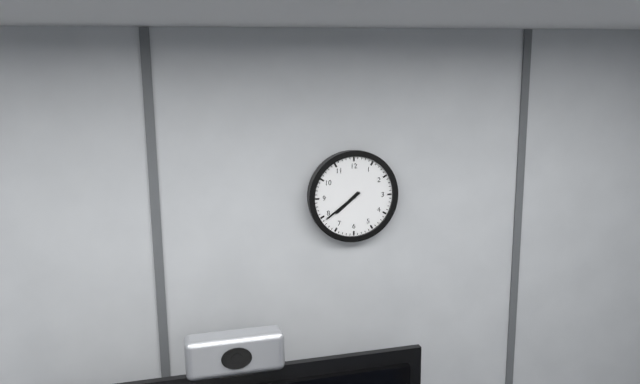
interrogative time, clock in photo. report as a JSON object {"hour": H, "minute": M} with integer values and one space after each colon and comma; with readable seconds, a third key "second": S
{"hour": 7, "minute": 39}
